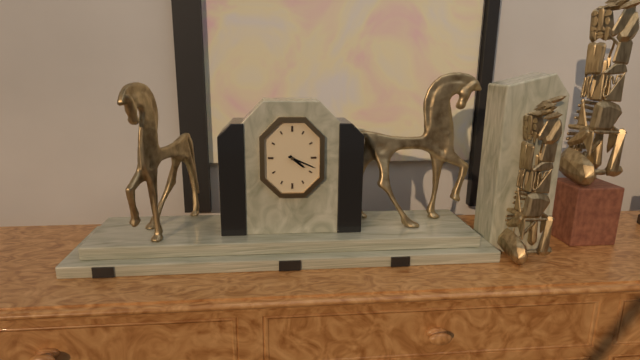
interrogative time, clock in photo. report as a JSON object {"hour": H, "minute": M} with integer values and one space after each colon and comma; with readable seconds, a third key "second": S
{"hour": 4, "minute": 19}
